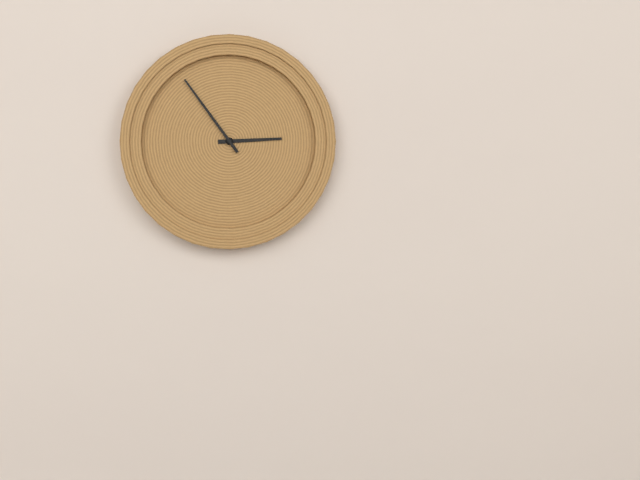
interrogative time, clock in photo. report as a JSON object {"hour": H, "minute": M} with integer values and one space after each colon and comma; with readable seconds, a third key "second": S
{"hour": 2, "minute": 54}
